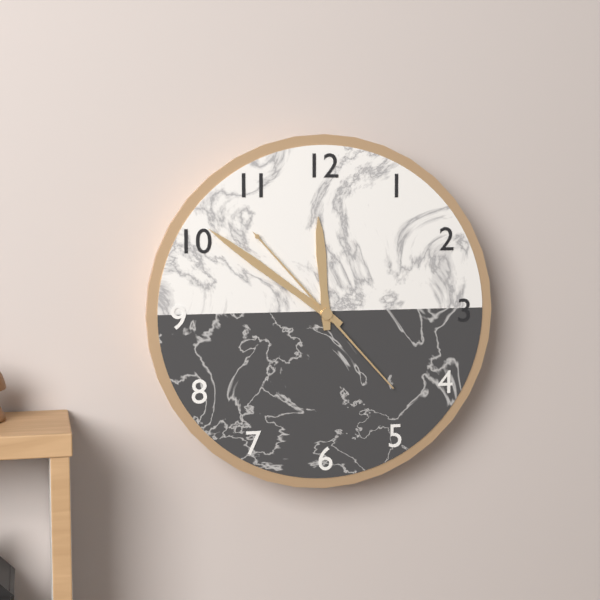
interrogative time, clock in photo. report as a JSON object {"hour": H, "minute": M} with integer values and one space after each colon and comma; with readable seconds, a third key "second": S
{"hour": 11, "minute": 51, "second": 53}
